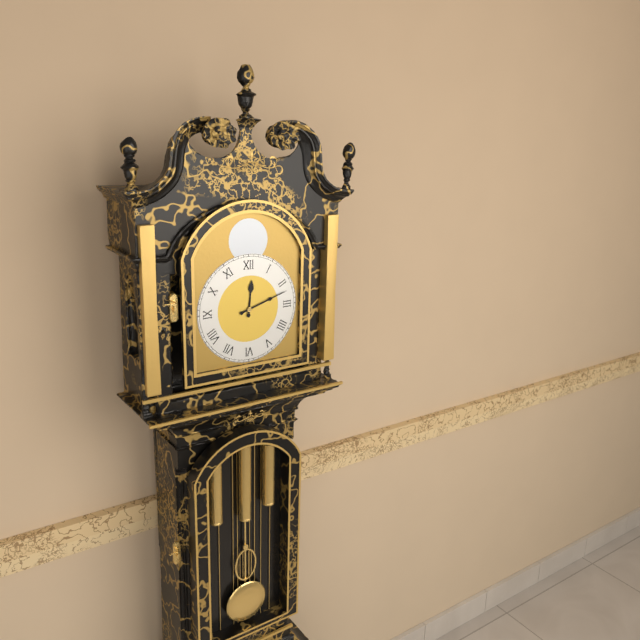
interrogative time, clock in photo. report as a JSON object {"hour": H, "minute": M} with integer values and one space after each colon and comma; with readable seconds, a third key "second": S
{"hour": 12, "minute": 12}
